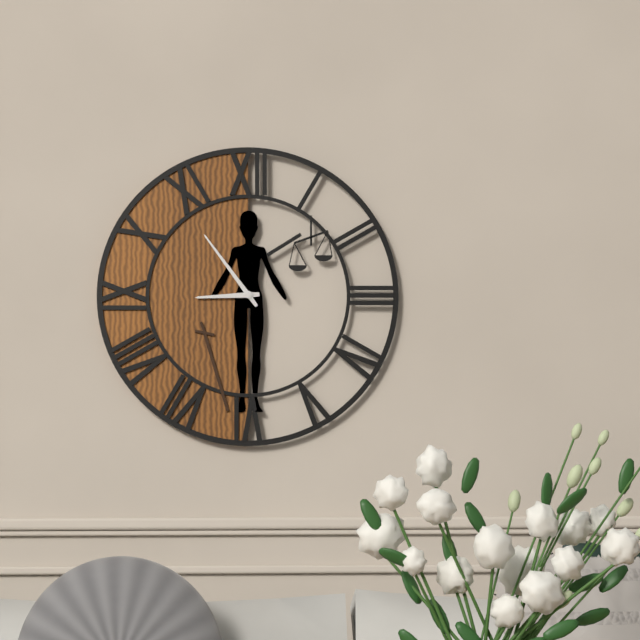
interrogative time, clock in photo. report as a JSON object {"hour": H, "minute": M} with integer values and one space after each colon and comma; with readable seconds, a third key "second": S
{"hour": 8, "minute": 54}
